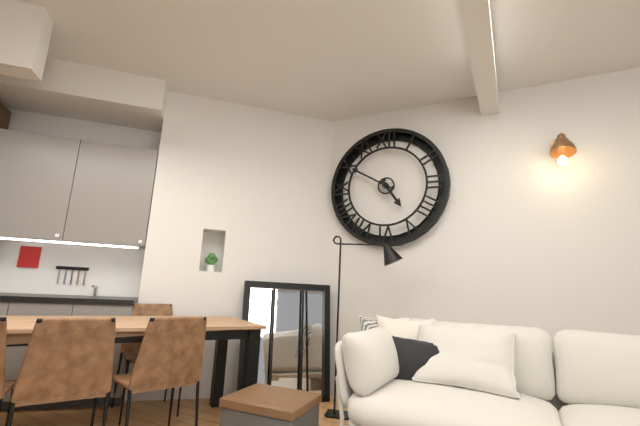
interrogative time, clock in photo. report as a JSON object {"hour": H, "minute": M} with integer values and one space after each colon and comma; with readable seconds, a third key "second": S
{"hour": 4, "minute": 50}
